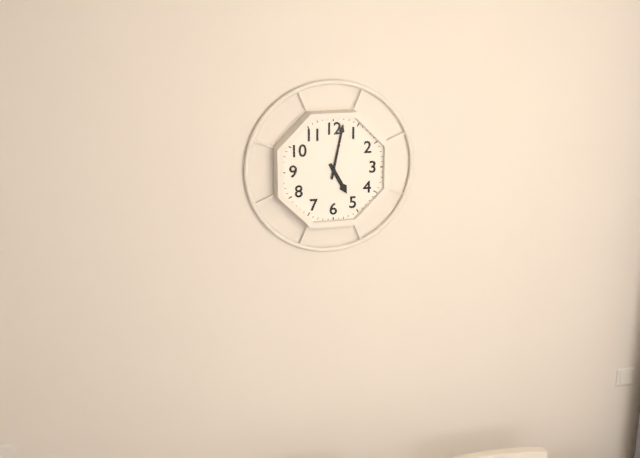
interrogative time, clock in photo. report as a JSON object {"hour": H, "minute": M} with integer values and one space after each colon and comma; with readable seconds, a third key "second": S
{"hour": 5, "minute": 2}
